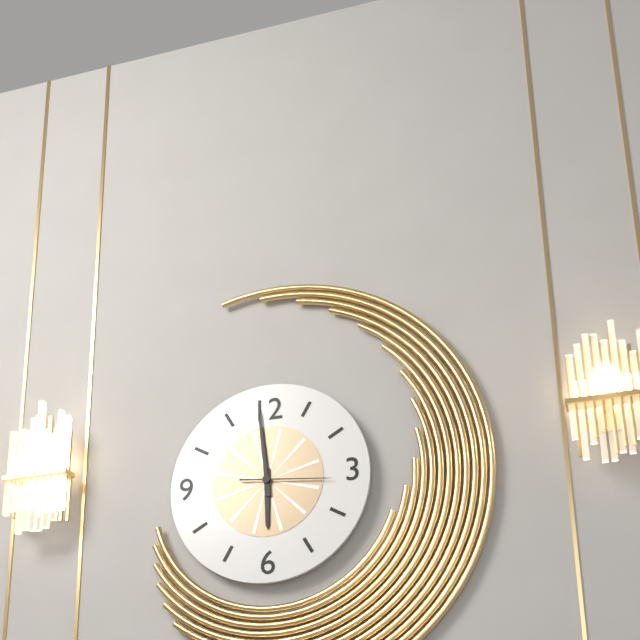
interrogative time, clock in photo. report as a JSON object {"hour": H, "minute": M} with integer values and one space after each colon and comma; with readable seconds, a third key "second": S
{"hour": 5, "minute": 59, "second": 16}
